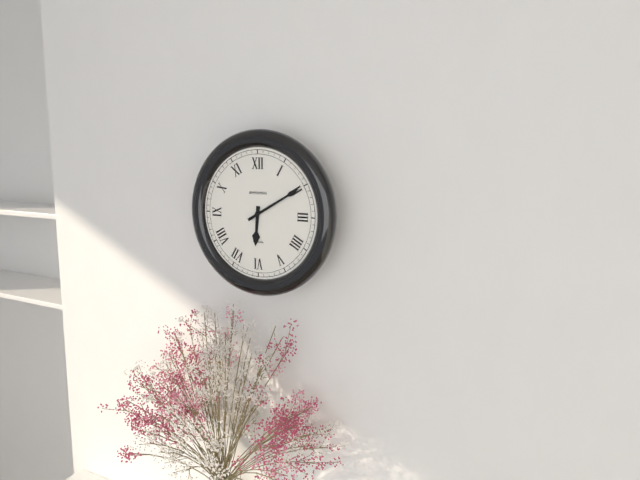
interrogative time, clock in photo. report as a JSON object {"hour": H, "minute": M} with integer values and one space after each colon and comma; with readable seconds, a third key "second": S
{"hour": 6, "minute": 10}
